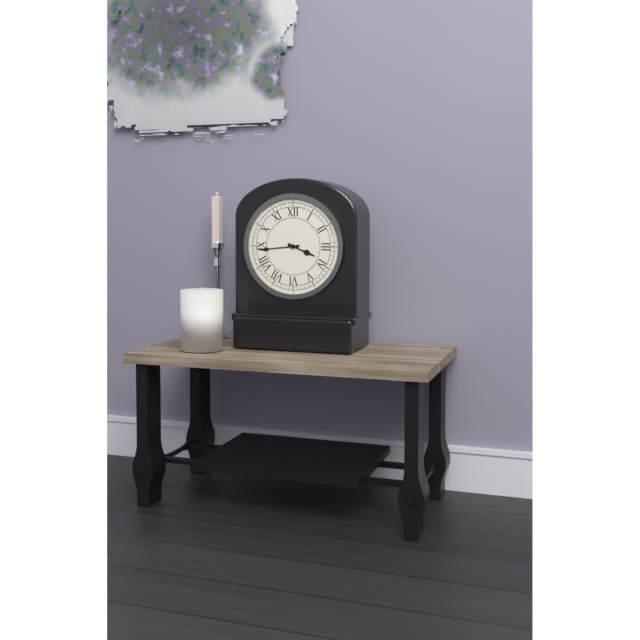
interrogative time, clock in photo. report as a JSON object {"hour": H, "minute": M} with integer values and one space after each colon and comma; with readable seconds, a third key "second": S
{"hour": 3, "minute": 44}
